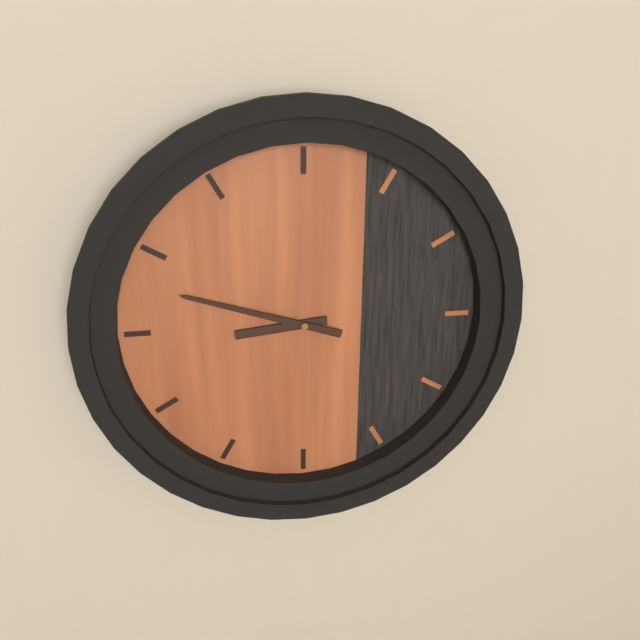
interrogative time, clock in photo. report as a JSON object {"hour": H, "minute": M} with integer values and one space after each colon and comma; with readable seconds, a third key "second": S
{"hour": 8, "minute": 48}
